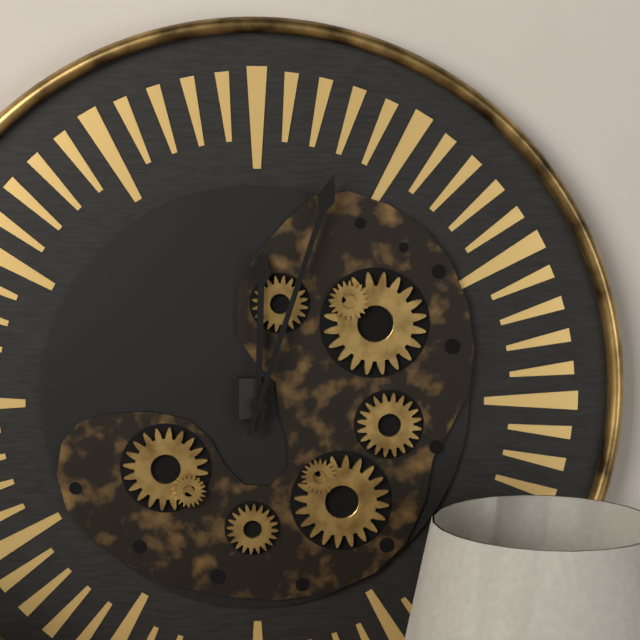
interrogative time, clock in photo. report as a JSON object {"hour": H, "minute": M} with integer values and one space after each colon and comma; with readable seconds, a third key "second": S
{"hour": 12, "minute": 3}
